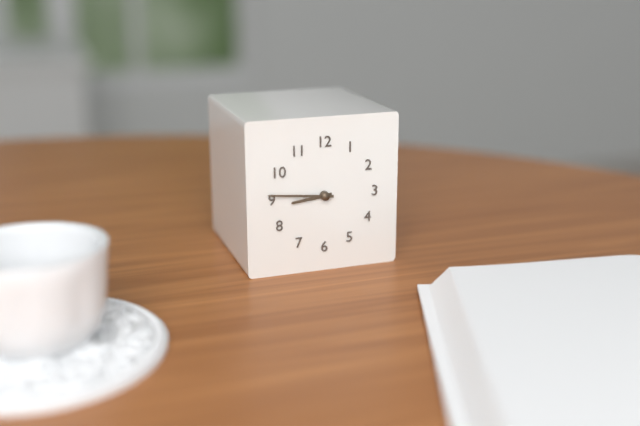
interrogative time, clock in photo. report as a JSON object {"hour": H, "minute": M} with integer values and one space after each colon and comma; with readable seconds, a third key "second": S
{"hour": 8, "minute": 46}
